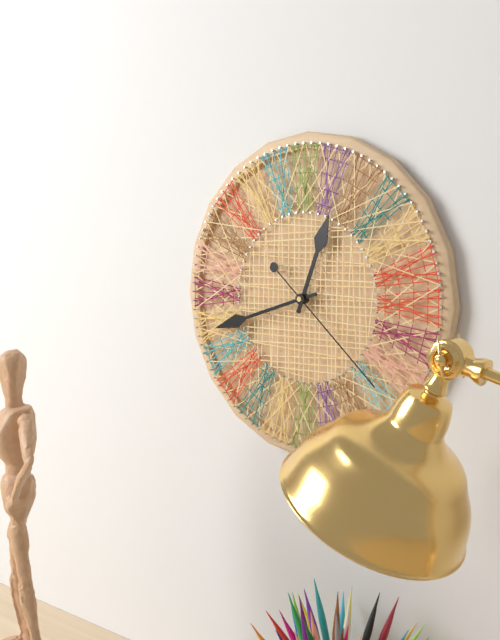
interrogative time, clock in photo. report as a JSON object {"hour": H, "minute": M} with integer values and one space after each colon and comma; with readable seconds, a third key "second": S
{"hour": 12, "minute": 42, "second": 22}
